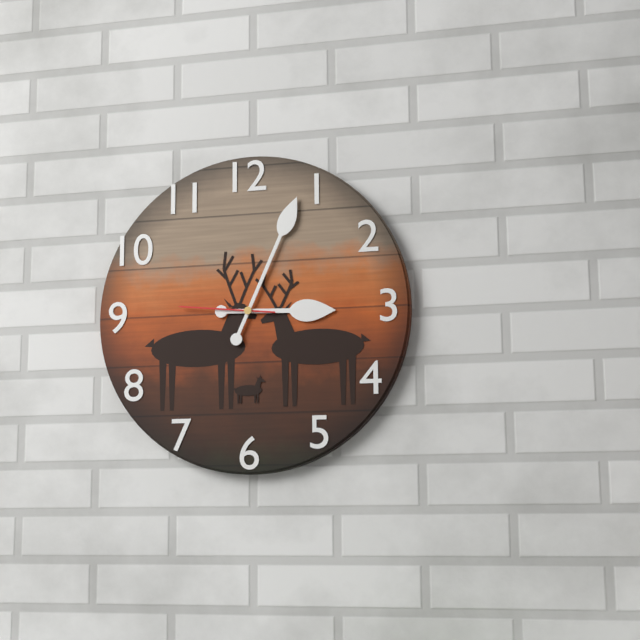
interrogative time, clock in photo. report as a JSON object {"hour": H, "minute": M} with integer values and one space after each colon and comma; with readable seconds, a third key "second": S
{"hour": 3, "minute": 4, "second": 46}
